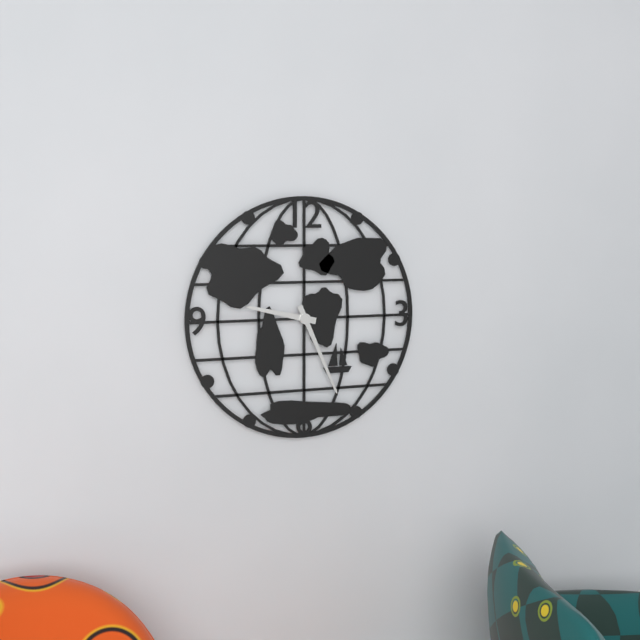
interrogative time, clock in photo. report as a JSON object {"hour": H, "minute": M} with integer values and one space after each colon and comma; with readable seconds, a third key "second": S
{"hour": 9, "minute": 26}
